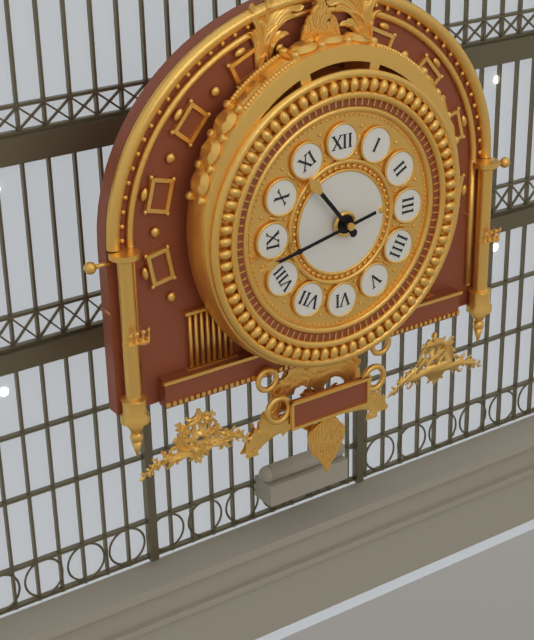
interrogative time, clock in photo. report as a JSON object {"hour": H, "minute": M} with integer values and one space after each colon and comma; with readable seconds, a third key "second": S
{"hour": 10, "minute": 43}
